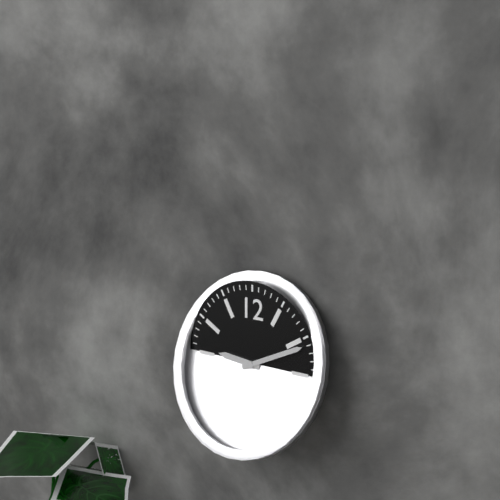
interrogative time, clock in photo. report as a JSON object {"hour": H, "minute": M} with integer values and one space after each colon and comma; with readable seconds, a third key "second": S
{"hour": 9, "minute": 11}
